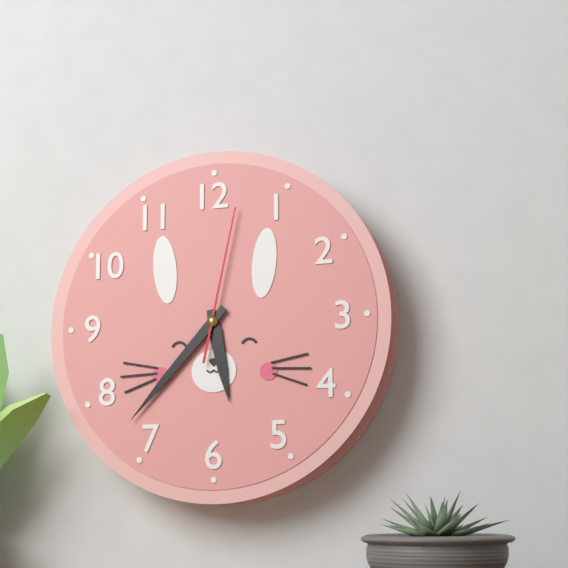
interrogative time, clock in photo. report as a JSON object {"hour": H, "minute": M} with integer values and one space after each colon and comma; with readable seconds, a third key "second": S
{"hour": 5, "minute": 37, "second": 2}
